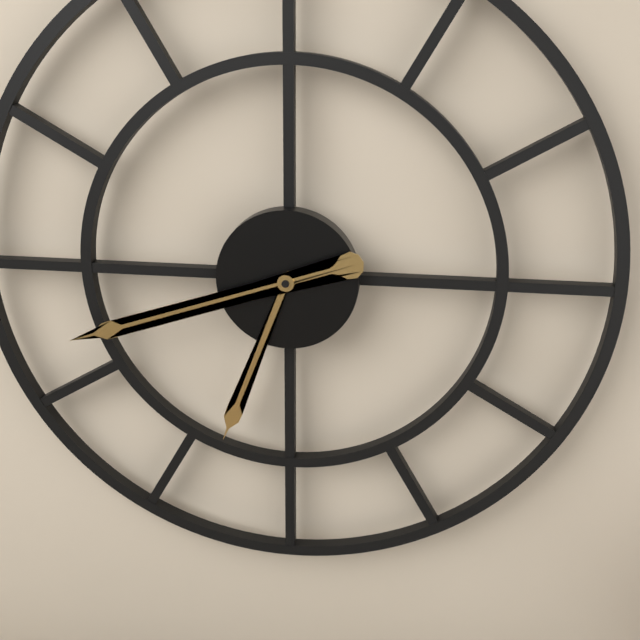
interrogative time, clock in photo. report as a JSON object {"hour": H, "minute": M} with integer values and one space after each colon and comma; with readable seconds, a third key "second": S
{"hour": 6, "minute": 42}
